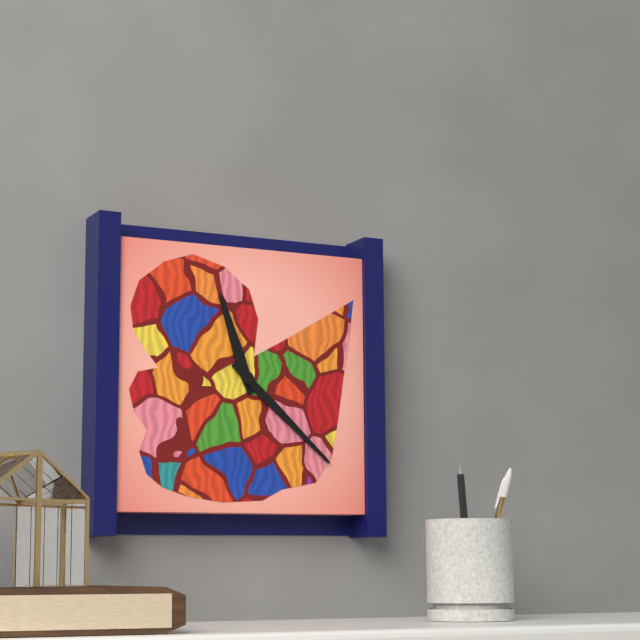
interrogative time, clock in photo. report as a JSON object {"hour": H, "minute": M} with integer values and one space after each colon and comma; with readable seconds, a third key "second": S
{"hour": 11, "minute": 22}
